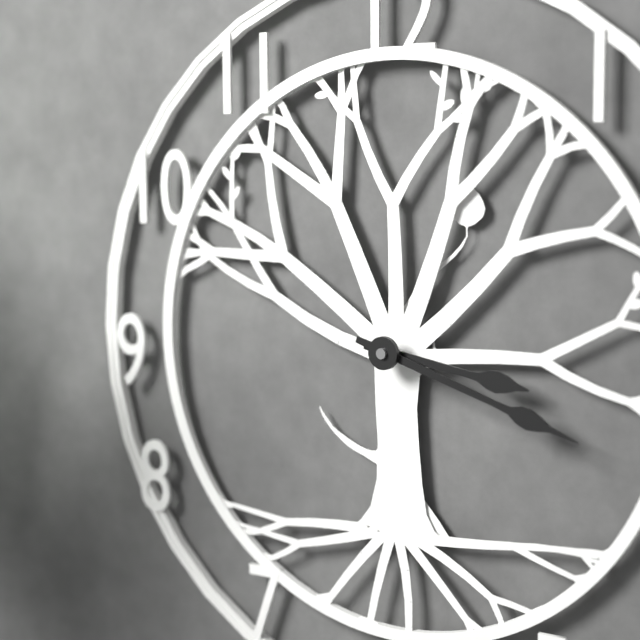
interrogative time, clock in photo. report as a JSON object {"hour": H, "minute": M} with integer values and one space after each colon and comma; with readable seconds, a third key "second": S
{"hour": 3, "minute": 18}
